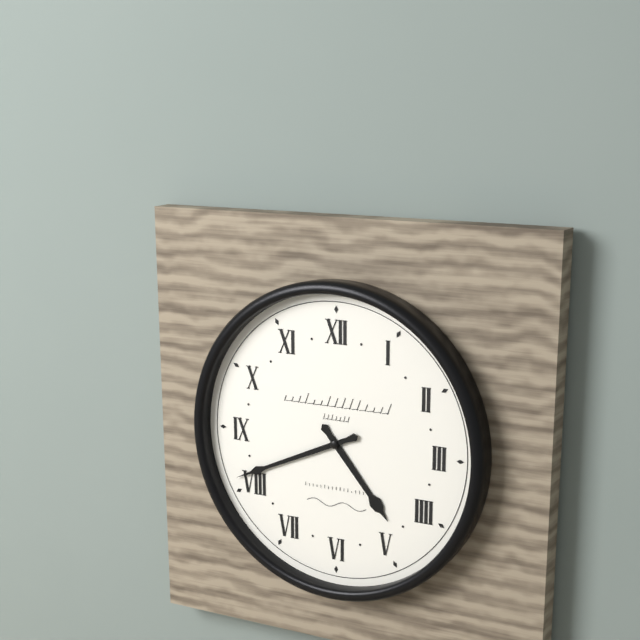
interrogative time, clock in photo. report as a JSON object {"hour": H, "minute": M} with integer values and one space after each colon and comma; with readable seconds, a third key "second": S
{"hour": 4, "minute": 41}
